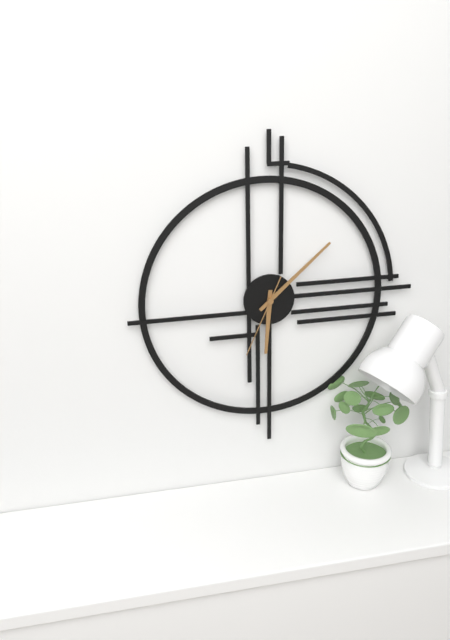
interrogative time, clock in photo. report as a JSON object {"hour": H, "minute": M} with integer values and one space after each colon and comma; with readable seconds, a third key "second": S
{"hour": 6, "minute": 8, "second": 34}
